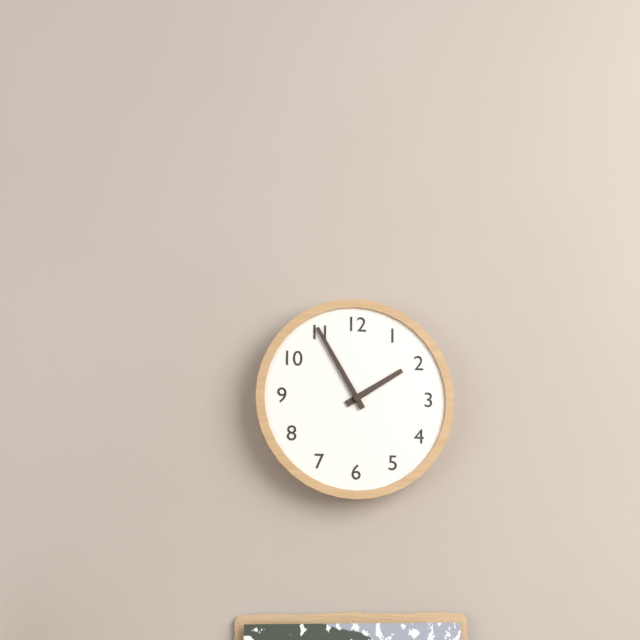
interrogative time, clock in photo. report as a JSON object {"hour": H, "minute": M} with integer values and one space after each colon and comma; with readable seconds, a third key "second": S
{"hour": 1, "minute": 55}
